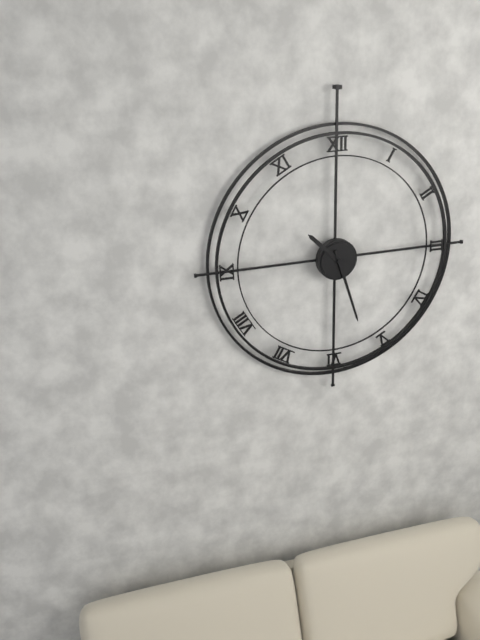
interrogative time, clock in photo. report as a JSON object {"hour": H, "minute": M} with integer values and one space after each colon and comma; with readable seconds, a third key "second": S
{"hour": 10, "minute": 27}
